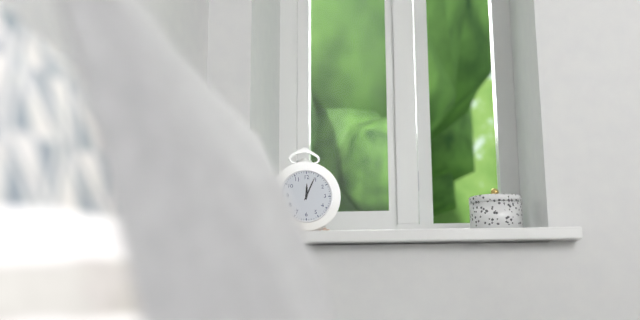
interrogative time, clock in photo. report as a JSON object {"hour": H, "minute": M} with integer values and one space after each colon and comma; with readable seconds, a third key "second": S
{"hour": 12, "minute": 4}
